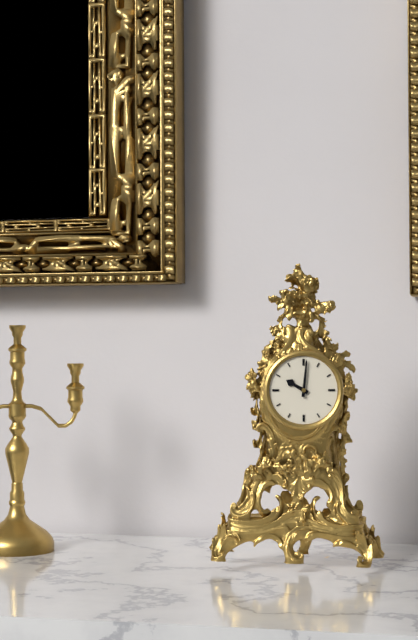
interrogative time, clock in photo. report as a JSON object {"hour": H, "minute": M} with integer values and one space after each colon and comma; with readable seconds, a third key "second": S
{"hour": 10, "minute": 1}
